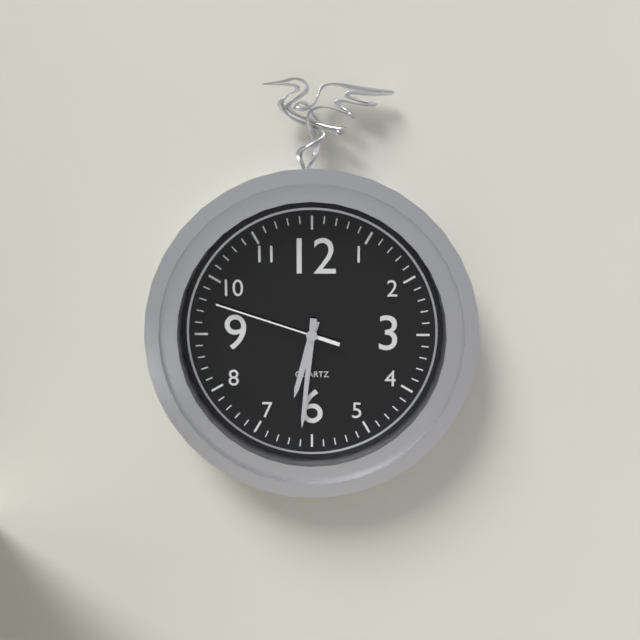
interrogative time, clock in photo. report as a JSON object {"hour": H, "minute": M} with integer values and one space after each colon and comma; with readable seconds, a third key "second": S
{"hour": 6, "minute": 31, "second": 48}
